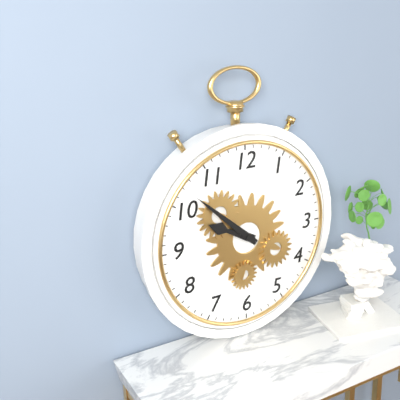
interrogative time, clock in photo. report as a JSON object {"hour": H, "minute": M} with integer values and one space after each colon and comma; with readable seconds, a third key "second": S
{"hour": 9, "minute": 52}
